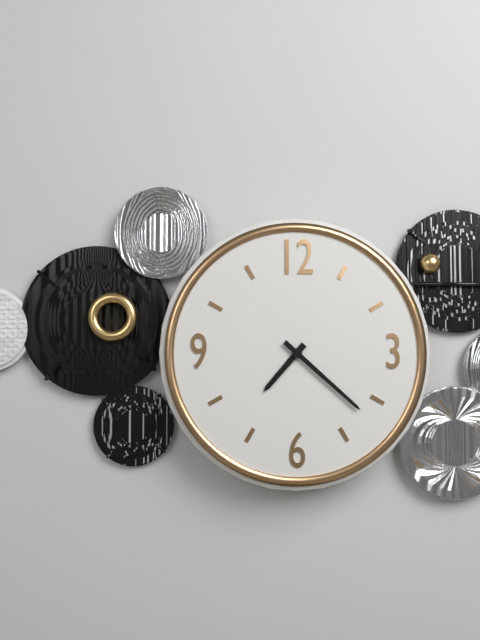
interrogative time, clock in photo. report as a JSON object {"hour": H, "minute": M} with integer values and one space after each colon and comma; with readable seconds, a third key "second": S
{"hour": 7, "minute": 22}
